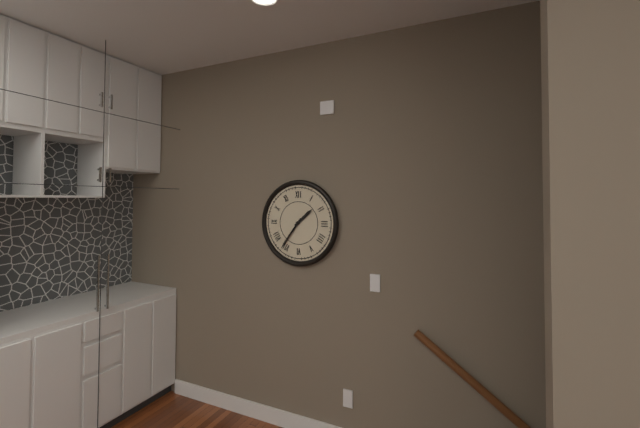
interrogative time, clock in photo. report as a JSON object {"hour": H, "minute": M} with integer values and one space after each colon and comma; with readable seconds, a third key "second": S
{"hour": 1, "minute": 36}
